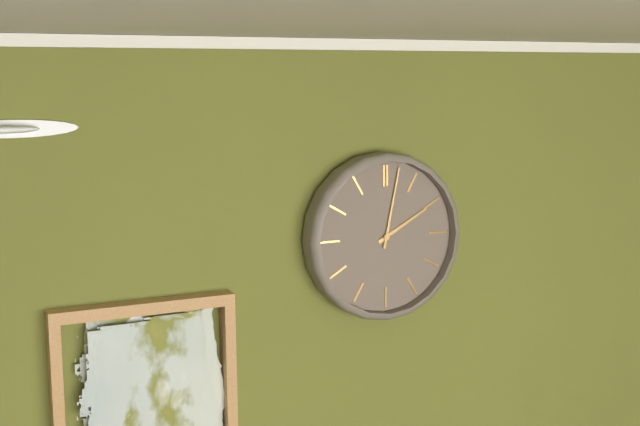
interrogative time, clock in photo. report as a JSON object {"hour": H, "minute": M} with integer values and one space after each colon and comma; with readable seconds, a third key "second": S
{"hour": 2, "minute": 2}
